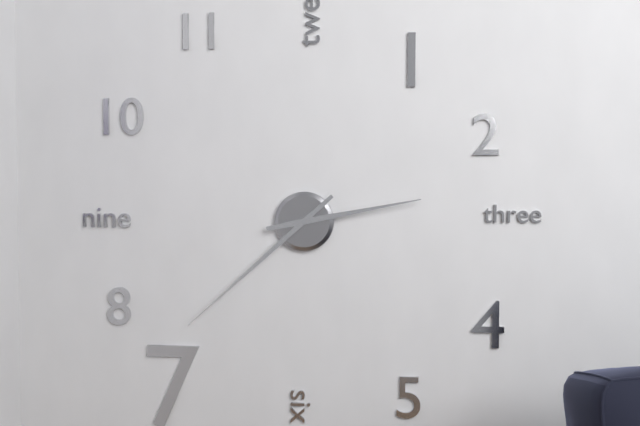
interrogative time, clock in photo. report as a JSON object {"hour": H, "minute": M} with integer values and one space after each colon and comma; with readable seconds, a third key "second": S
{"hour": 2, "minute": 38}
